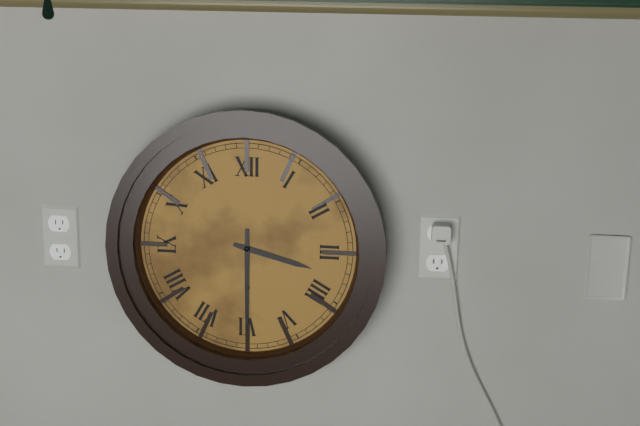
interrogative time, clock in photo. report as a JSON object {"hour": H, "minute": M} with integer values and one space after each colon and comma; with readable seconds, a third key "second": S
{"hour": 3, "minute": 30}
